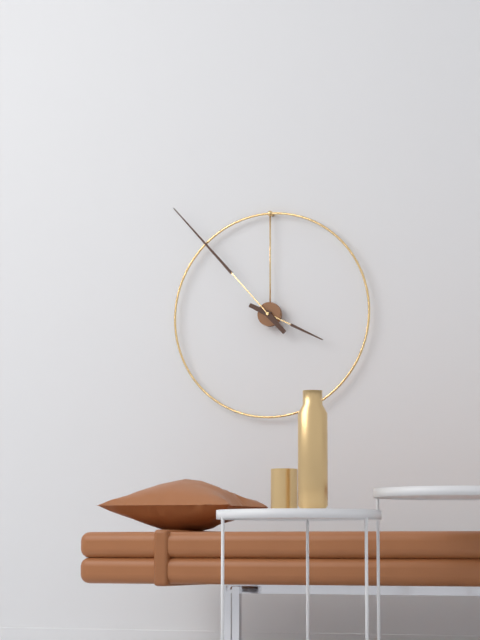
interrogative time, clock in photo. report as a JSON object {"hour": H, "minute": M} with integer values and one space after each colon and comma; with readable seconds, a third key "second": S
{"hour": 3, "minute": 53}
